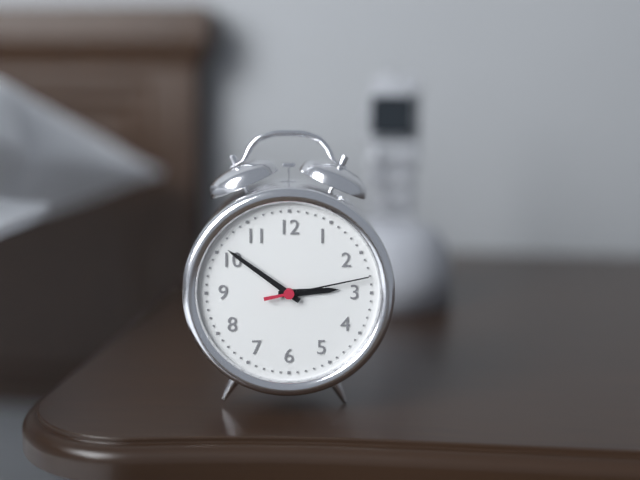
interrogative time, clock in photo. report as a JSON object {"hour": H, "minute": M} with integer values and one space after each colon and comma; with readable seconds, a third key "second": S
{"hour": 2, "minute": 51, "second": 13}
